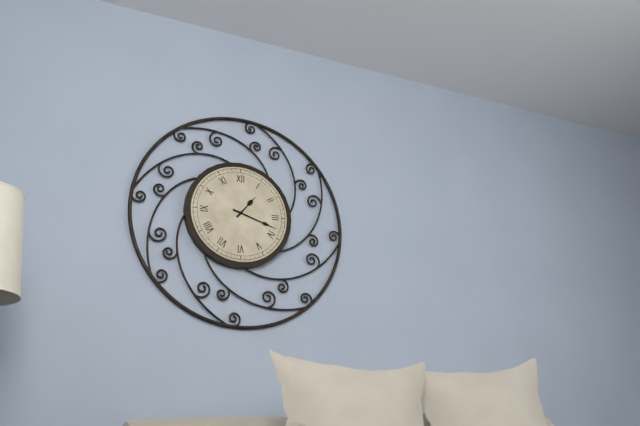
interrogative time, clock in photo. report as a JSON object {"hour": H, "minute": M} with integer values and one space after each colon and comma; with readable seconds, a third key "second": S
{"hour": 1, "minute": 18}
